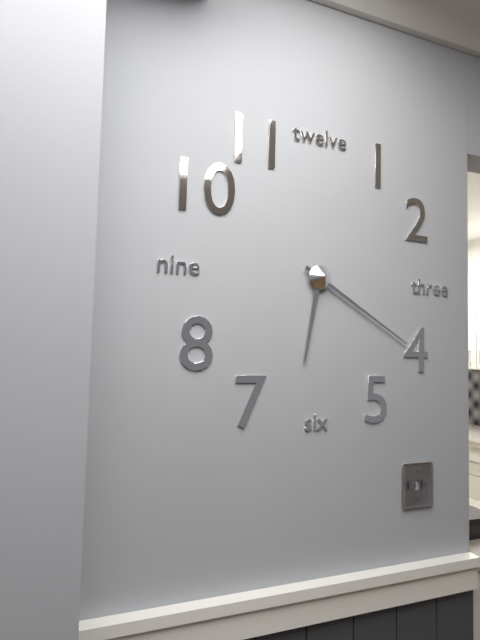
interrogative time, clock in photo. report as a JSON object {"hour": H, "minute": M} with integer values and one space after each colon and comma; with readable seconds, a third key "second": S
{"hour": 6, "minute": 20}
